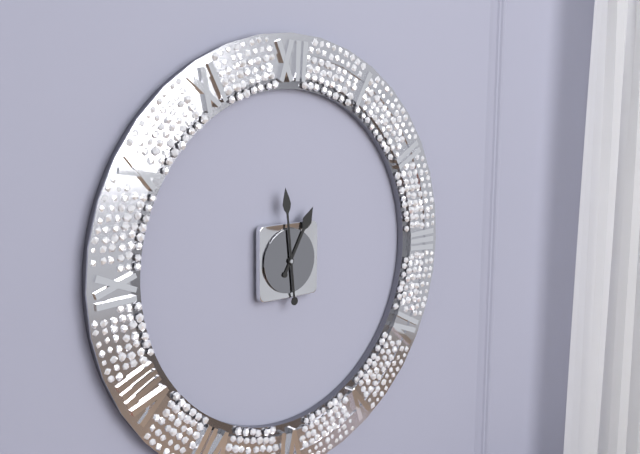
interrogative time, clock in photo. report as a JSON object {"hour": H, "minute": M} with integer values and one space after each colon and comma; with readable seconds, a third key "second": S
{"hour": 12, "minute": 59}
